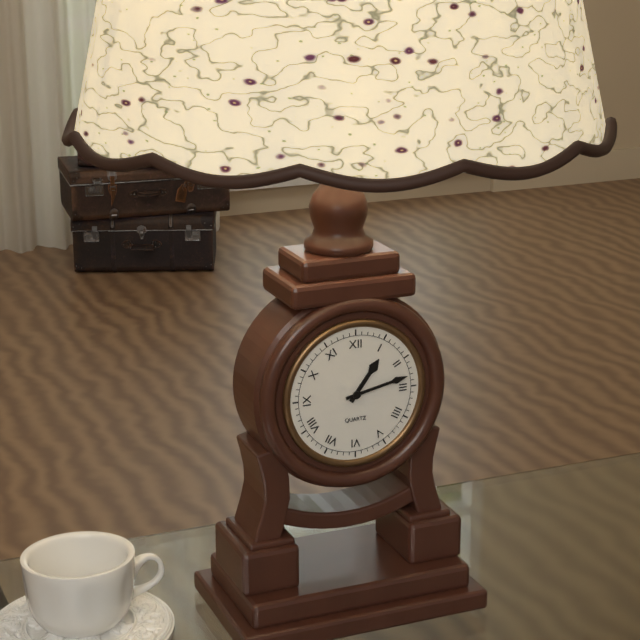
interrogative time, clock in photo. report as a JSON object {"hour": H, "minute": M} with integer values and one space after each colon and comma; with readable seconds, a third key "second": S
{"hour": 1, "minute": 13}
